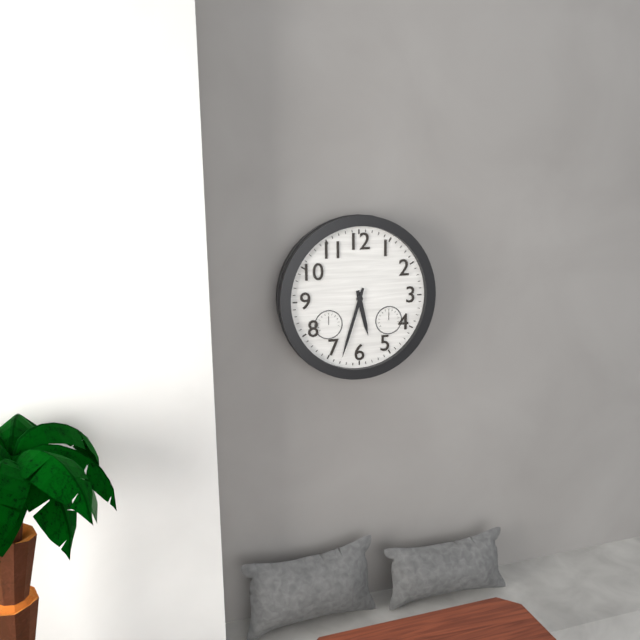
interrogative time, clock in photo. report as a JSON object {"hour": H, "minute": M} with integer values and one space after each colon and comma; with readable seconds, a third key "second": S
{"hour": 5, "minute": 33}
